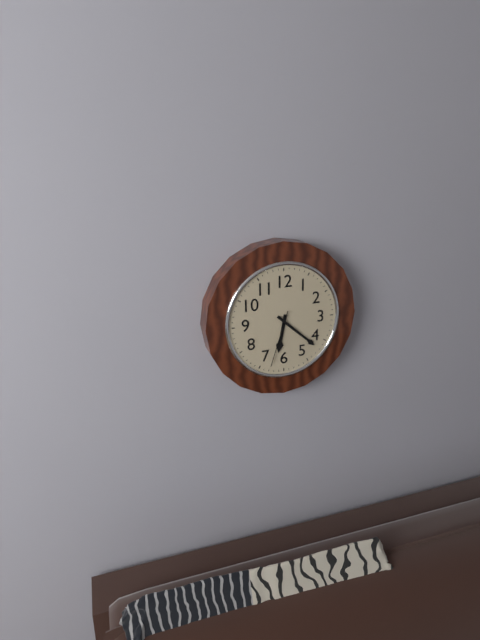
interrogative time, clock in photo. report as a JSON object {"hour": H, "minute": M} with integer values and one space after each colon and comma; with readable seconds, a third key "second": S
{"hour": 6, "minute": 22, "second": 33}
